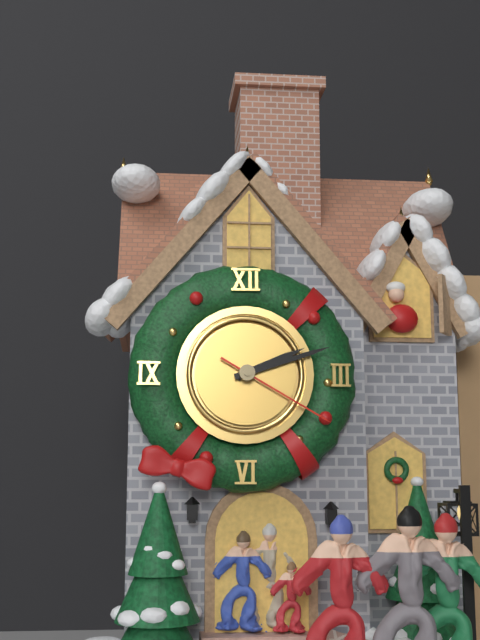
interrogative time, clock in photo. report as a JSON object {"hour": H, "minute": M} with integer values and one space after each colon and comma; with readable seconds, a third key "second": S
{"hour": 2, "minute": 12, "second": 20}
